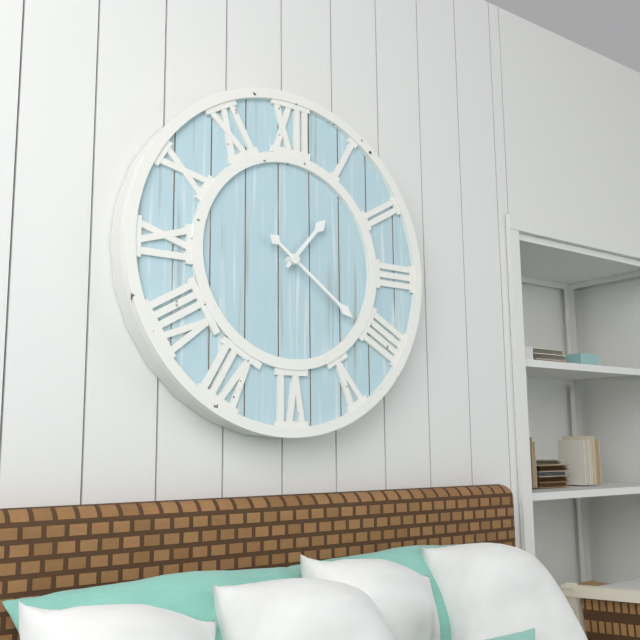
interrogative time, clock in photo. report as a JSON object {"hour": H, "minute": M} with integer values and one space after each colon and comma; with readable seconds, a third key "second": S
{"hour": 1, "minute": 21}
